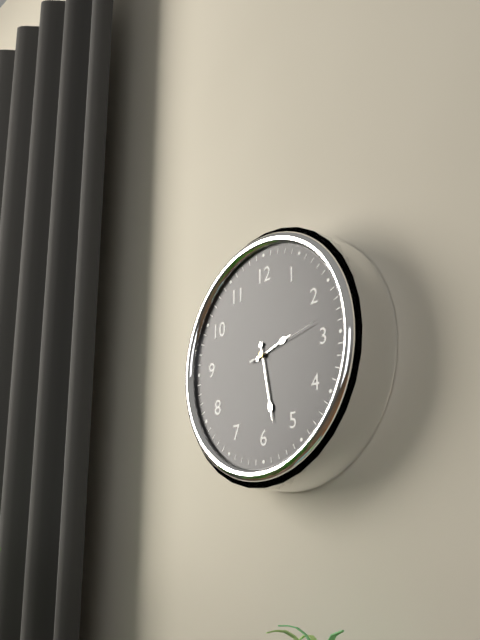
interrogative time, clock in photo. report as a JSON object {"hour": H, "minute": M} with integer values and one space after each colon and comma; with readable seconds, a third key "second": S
{"hour": 2, "minute": 28, "second": 13}
